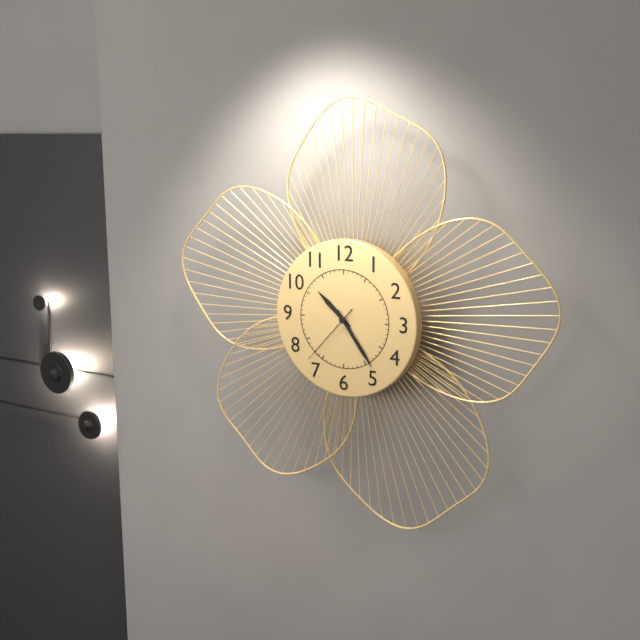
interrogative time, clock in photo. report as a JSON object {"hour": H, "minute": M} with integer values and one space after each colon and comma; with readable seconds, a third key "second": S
{"hour": 10, "minute": 24, "second": 37}
